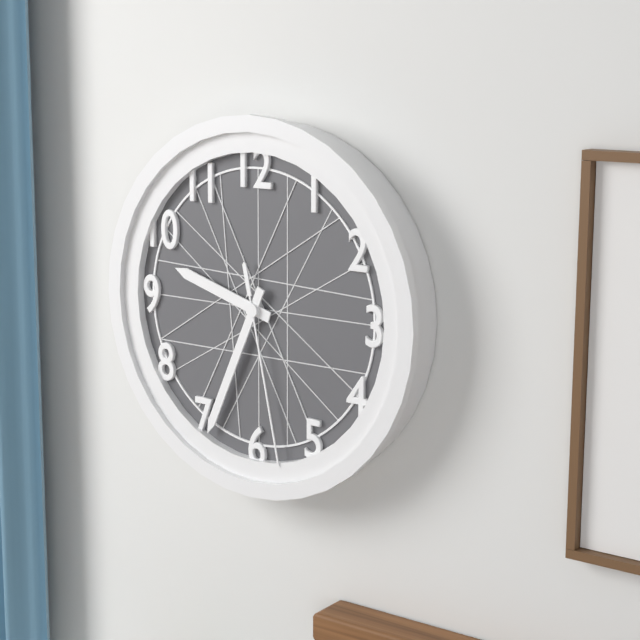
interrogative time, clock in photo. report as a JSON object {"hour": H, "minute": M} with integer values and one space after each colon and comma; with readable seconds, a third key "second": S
{"hour": 9, "minute": 34, "second": 28}
